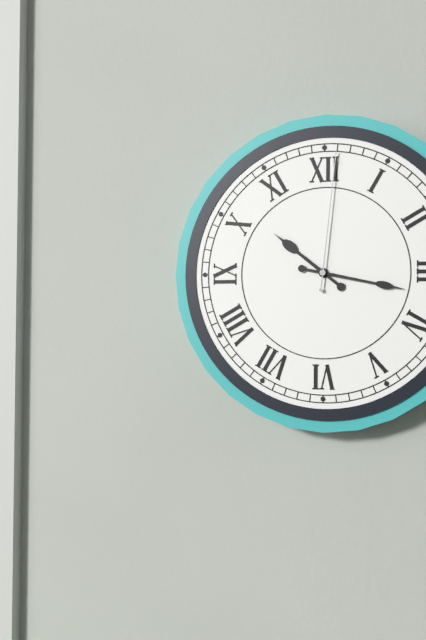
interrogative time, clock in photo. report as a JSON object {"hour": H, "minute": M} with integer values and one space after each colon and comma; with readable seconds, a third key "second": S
{"hour": 10, "minute": 17, "second": 1}
